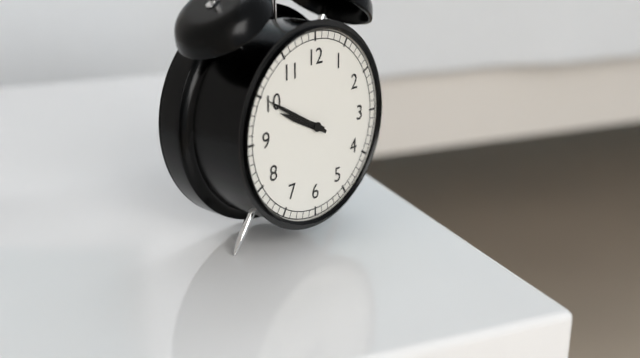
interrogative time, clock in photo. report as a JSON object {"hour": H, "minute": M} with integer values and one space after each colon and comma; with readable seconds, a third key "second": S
{"hour": 9, "minute": 50}
